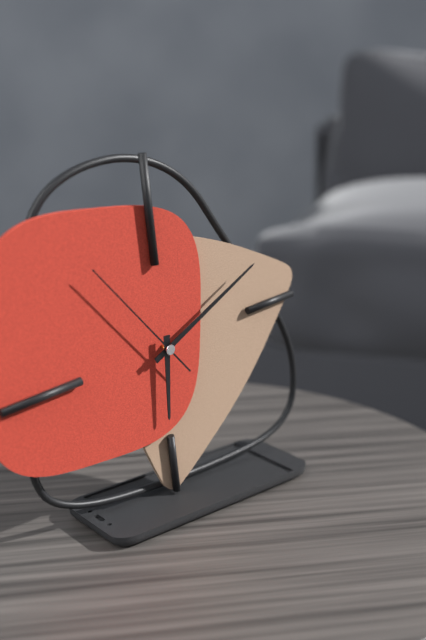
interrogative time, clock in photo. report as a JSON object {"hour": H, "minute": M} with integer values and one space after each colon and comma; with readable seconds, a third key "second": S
{"hour": 6, "minute": 11, "second": 54}
